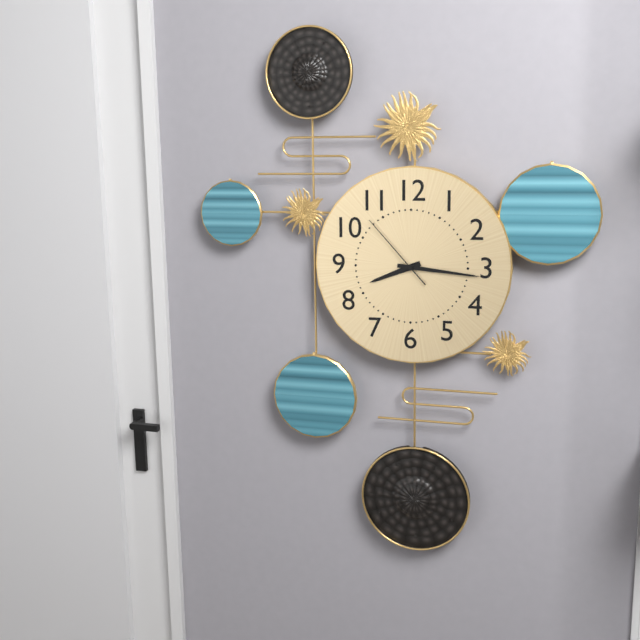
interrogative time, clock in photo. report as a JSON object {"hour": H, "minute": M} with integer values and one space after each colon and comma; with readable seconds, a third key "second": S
{"hour": 8, "minute": 16, "second": 53}
